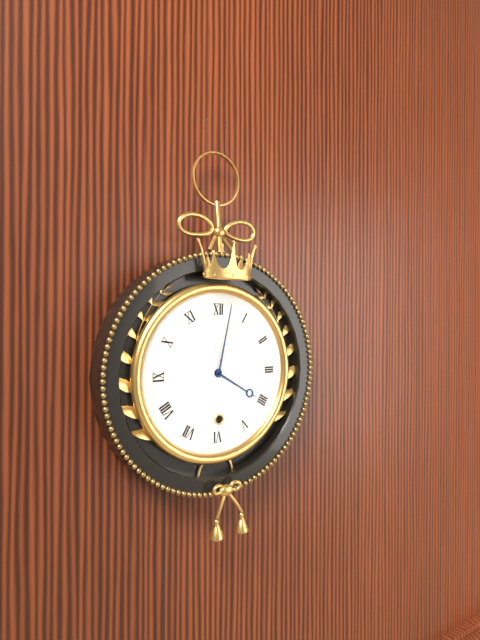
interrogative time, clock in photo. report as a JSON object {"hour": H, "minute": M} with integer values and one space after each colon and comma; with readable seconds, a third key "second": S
{"hour": 4, "minute": 2}
